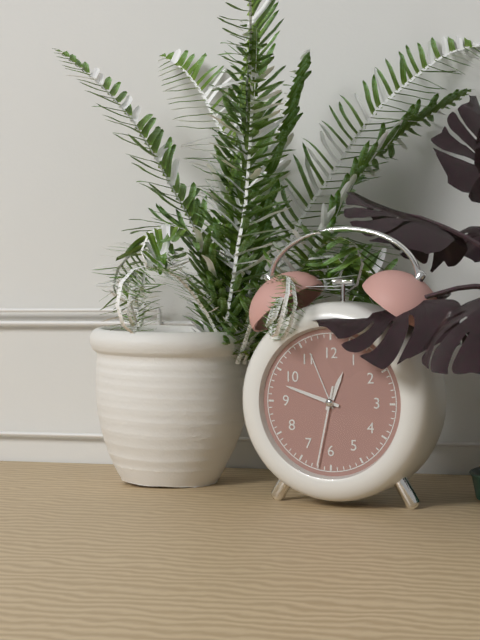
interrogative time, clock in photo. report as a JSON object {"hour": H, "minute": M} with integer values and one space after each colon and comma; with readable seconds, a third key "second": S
{"hour": 12, "minute": 48, "second": 32}
